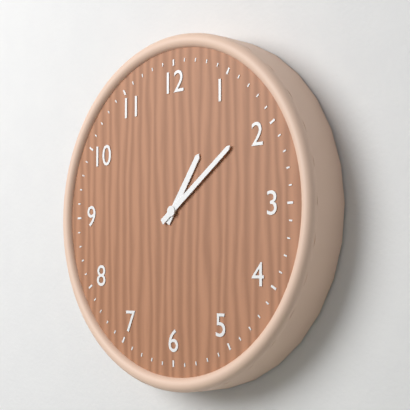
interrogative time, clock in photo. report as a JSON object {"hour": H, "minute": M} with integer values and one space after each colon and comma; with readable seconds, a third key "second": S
{"hour": 1, "minute": 9}
